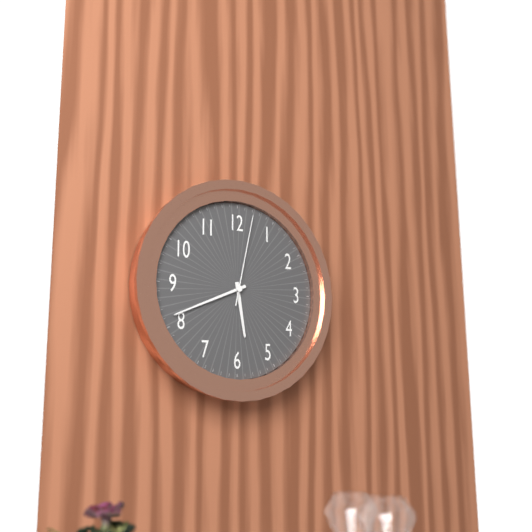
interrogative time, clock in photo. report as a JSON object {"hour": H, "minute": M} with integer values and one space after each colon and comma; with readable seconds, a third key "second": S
{"hour": 5, "minute": 41, "second": 2}
